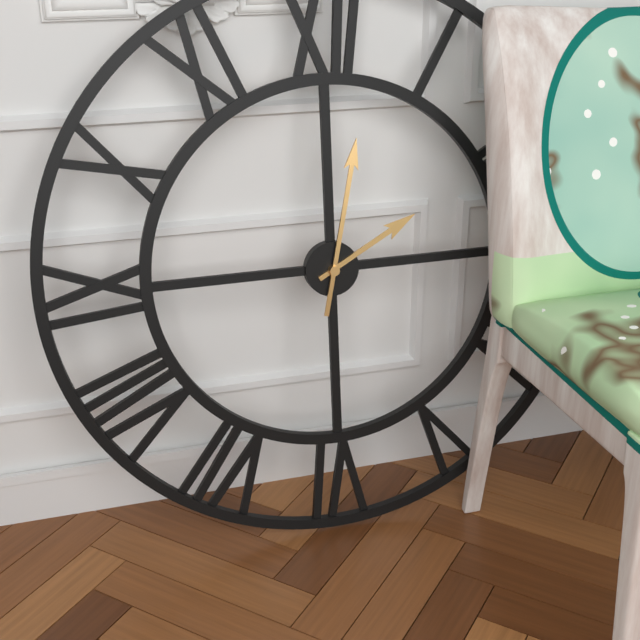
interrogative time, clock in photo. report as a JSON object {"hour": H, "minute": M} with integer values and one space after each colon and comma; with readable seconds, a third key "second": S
{"hour": 2, "minute": 2}
